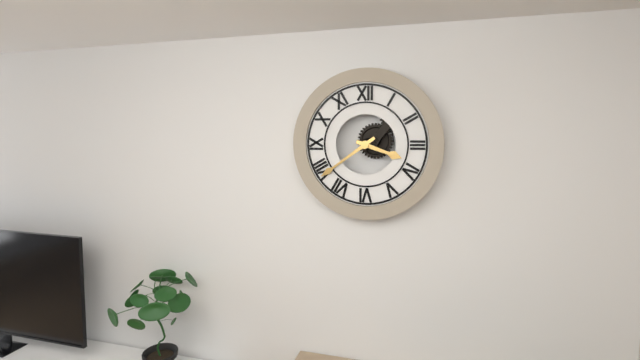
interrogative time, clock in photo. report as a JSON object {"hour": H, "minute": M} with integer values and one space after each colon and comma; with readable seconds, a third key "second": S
{"hour": 3, "minute": 39}
